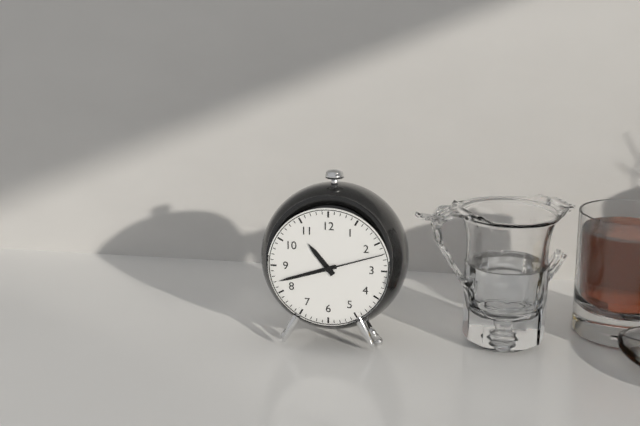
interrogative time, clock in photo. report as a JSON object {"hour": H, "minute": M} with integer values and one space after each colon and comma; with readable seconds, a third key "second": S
{"hour": 10, "minute": 42, "second": 12}
